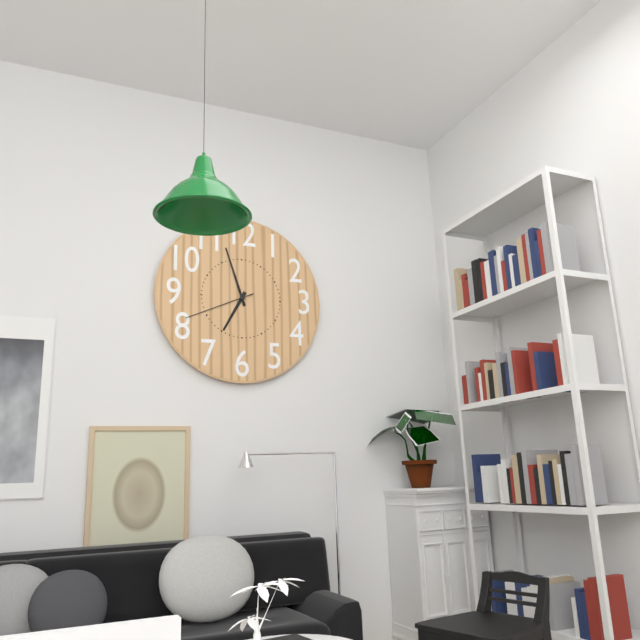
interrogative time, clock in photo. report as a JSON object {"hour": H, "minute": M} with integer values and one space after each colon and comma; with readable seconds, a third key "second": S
{"hour": 6, "minute": 57, "second": 41}
